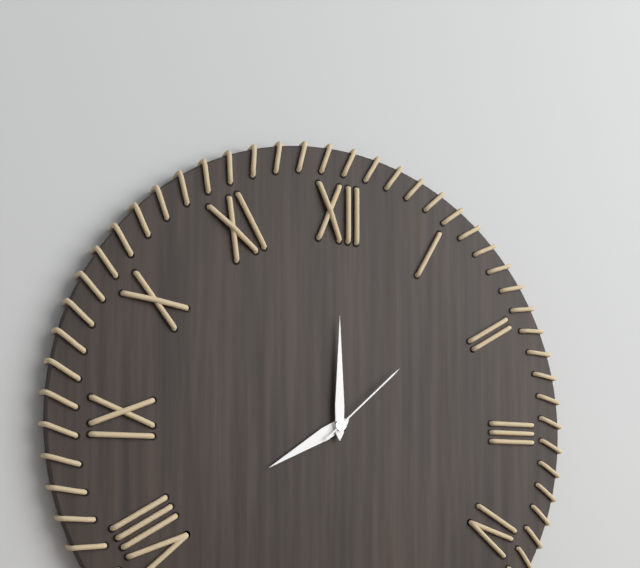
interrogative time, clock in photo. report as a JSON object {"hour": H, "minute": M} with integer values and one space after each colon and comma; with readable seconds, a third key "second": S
{"hour": 8, "minute": 0, "second": 8}
